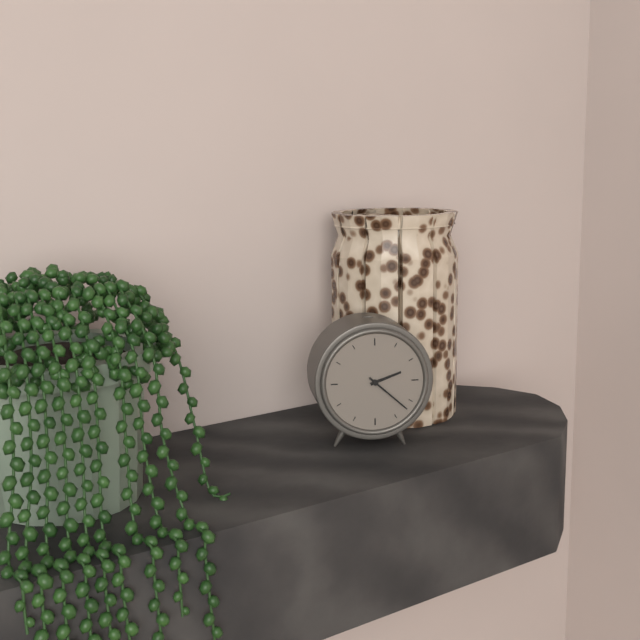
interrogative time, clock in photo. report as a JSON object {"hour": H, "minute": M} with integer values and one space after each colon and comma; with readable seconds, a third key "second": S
{"hour": 2, "minute": 22}
